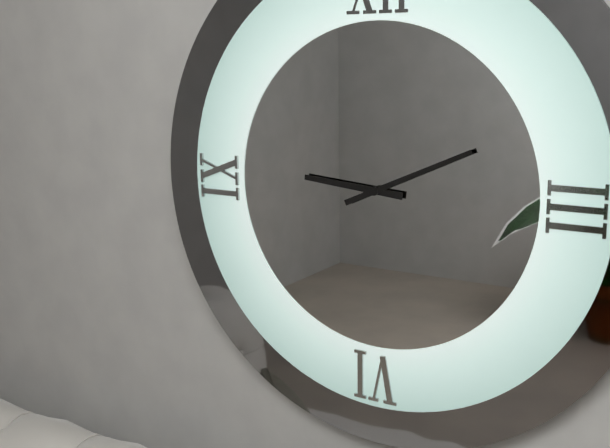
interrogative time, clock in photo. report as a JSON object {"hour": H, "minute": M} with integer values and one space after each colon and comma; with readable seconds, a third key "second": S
{"hour": 9, "minute": 11}
